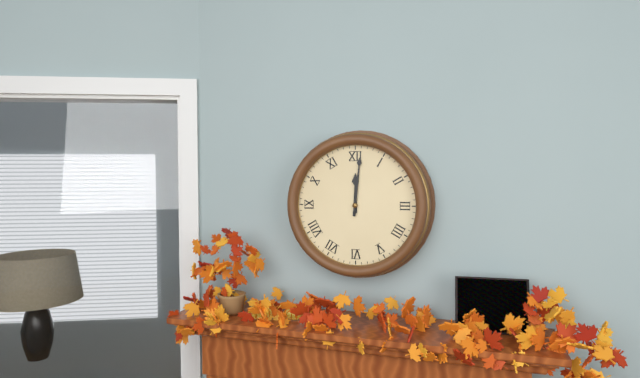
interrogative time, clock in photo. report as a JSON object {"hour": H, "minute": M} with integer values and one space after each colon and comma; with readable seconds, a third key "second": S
{"hour": 12, "minute": 1}
